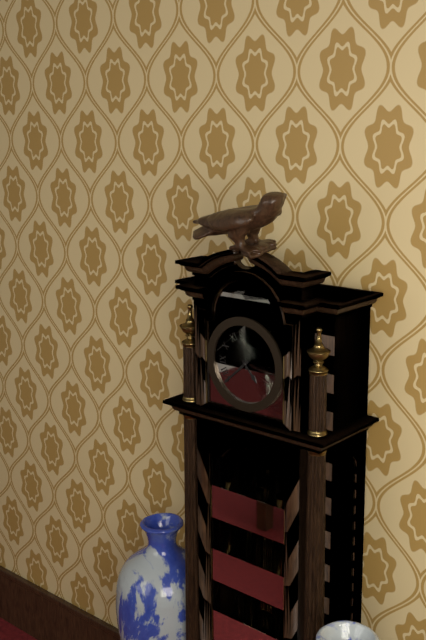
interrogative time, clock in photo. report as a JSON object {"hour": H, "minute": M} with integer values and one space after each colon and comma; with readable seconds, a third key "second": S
{"hour": 4, "minute": 38}
